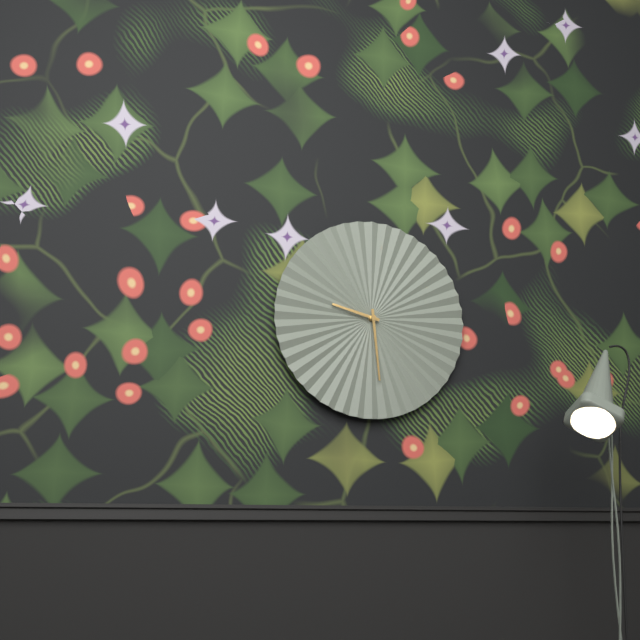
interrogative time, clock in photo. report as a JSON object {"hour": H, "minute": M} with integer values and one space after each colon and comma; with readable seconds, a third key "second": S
{"hour": 9, "minute": 29}
